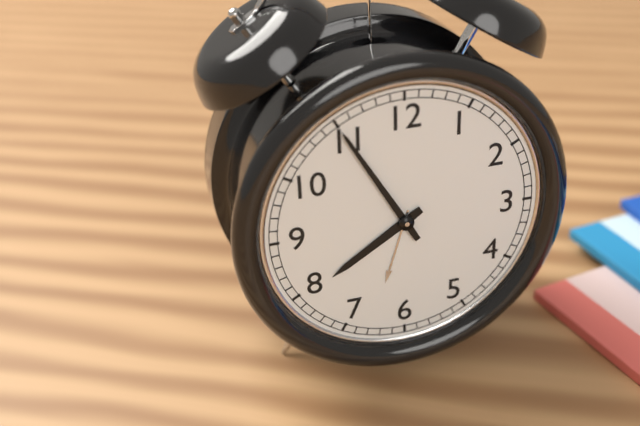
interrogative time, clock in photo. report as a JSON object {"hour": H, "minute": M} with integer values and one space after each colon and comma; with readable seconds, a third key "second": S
{"hour": 7, "minute": 55}
